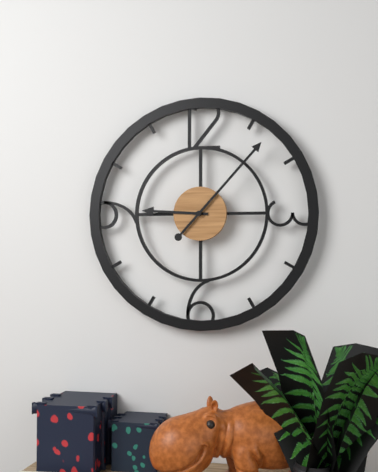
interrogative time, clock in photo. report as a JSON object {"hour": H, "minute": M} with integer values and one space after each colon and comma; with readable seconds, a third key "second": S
{"hour": 9, "minute": 7}
